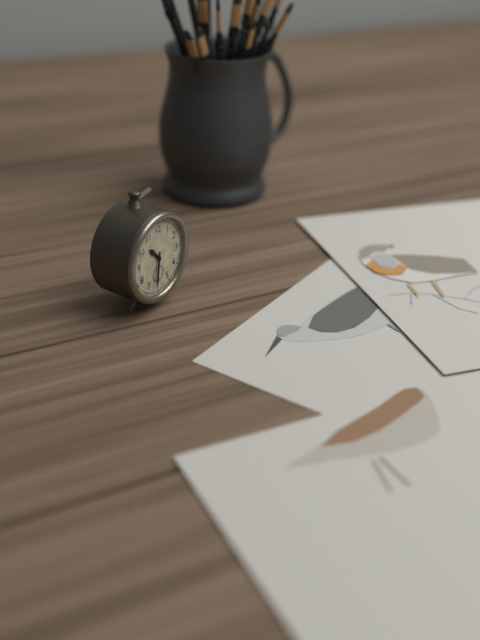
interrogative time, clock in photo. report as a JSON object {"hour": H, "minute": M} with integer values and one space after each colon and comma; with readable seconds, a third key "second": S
{"hour": 10, "minute": 31}
